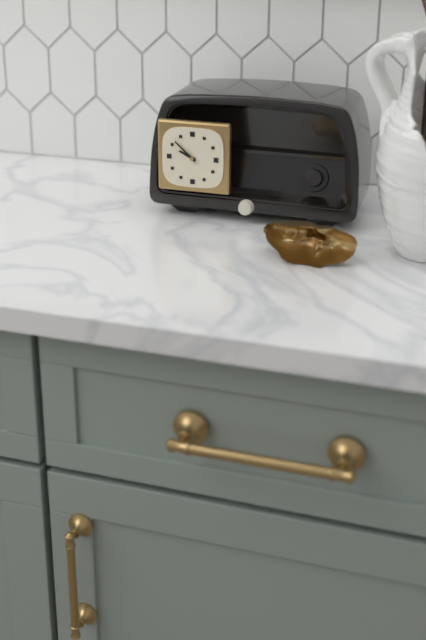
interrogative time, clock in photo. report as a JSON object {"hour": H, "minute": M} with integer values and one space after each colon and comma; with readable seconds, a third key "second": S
{"hour": 9, "minute": 52}
